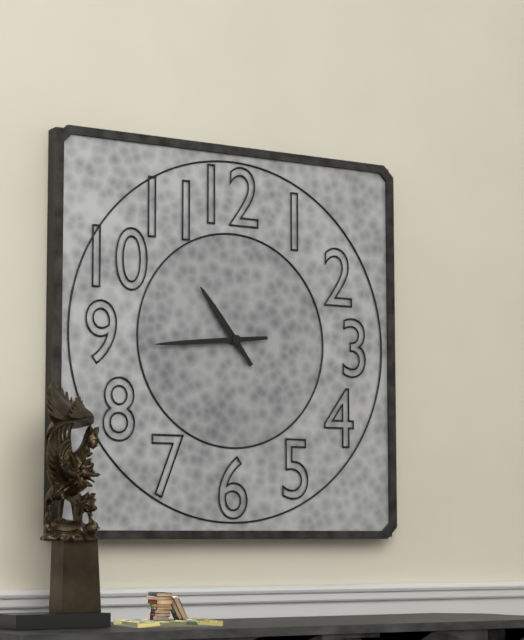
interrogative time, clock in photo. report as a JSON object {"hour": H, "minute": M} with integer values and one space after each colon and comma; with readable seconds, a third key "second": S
{"hour": 10, "minute": 44}
